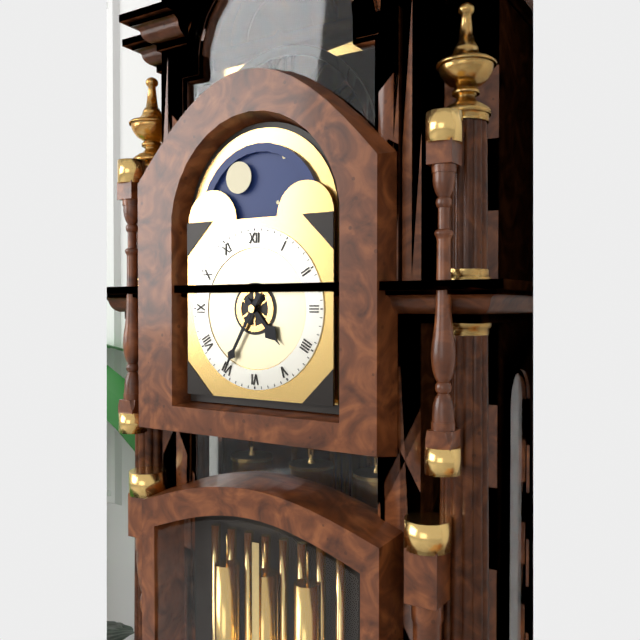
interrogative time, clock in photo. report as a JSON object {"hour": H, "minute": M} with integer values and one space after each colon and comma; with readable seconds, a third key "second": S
{"hour": 4, "minute": 35}
